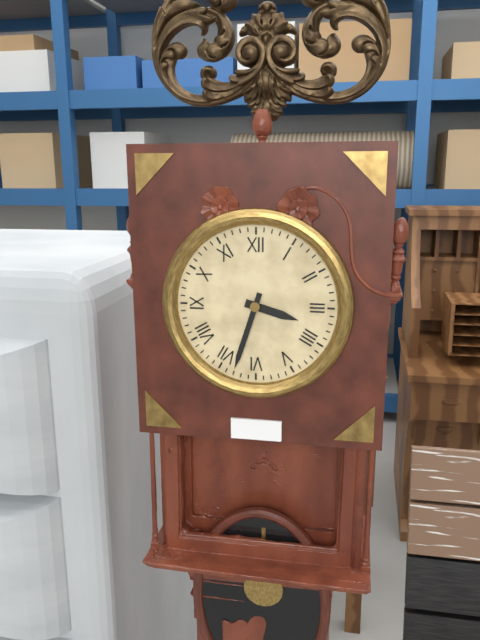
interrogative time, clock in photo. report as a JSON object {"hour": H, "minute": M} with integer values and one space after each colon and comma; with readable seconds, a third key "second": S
{"hour": 3, "minute": 33}
